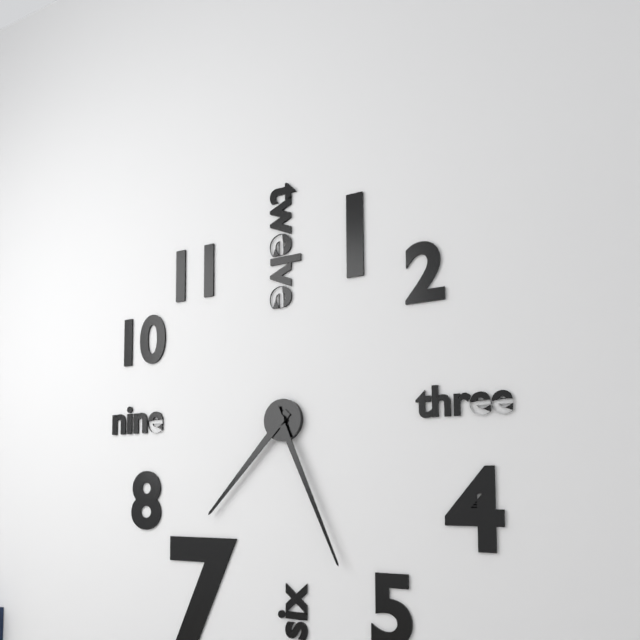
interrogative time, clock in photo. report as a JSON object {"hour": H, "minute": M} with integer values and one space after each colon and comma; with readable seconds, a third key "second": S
{"hour": 7, "minute": 26}
